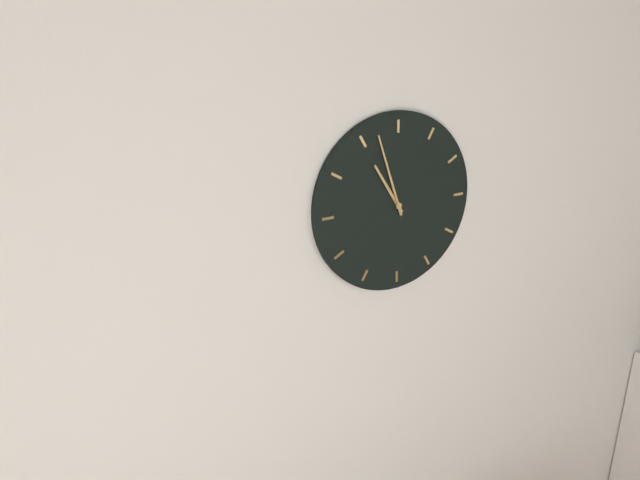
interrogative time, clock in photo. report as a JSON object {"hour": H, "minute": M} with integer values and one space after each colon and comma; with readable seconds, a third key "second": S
{"hour": 10, "minute": 57}
